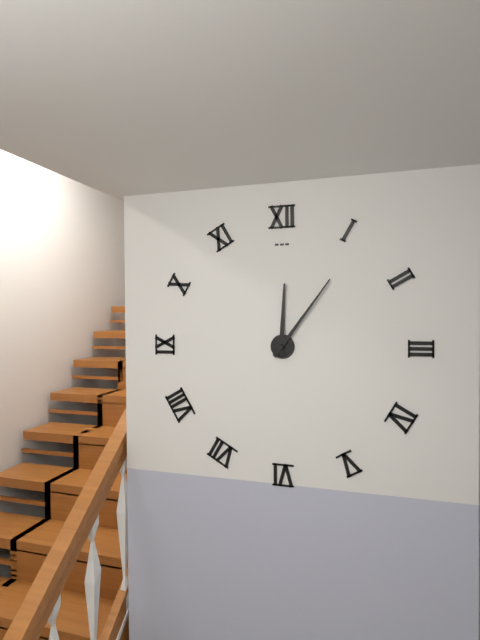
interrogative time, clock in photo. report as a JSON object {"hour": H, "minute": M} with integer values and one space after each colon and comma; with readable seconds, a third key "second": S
{"hour": 12, "minute": 6}
